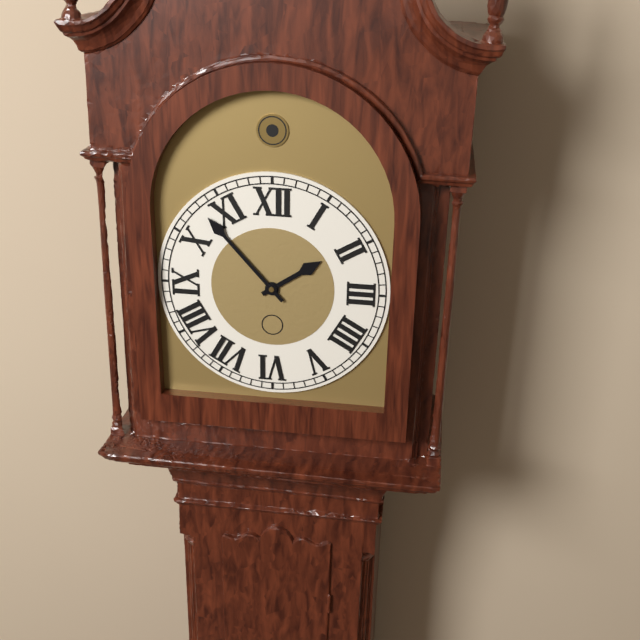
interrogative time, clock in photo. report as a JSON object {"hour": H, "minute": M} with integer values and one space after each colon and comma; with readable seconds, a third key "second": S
{"hour": 1, "minute": 53}
